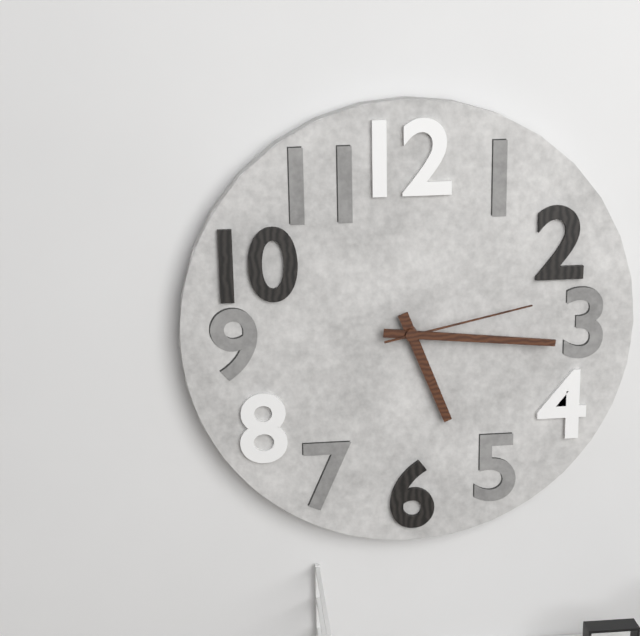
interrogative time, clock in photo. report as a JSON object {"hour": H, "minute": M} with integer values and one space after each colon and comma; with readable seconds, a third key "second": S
{"hour": 5, "minute": 16, "second": 13}
